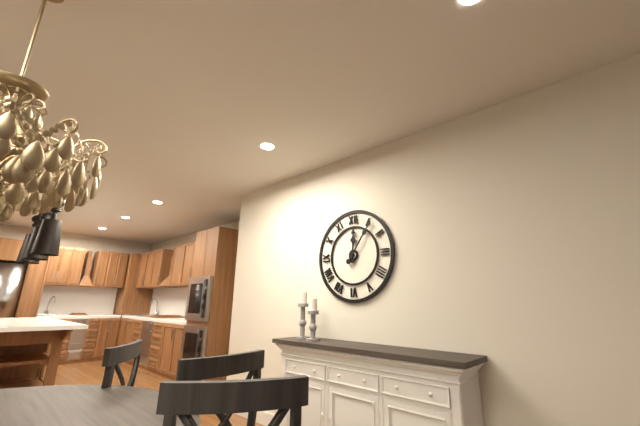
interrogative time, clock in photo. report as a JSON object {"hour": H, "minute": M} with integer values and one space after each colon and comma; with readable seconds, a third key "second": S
{"hour": 12, "minute": 6}
